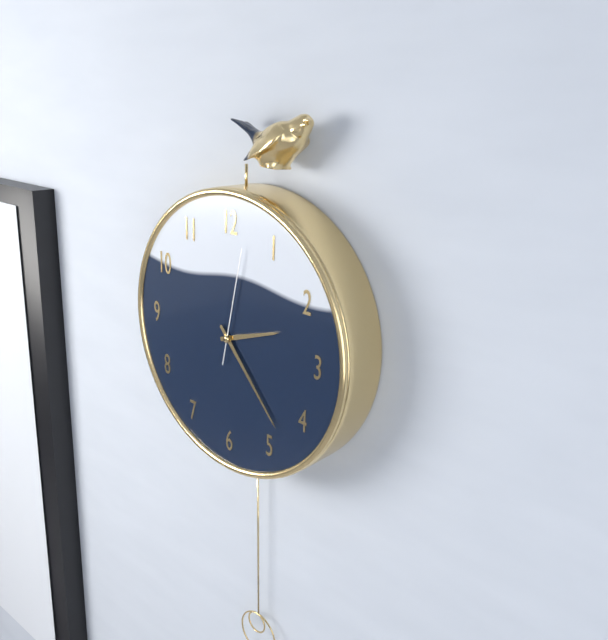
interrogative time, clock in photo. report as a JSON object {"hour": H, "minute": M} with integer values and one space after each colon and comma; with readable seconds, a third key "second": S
{"hour": 2, "minute": 23, "second": 2}
